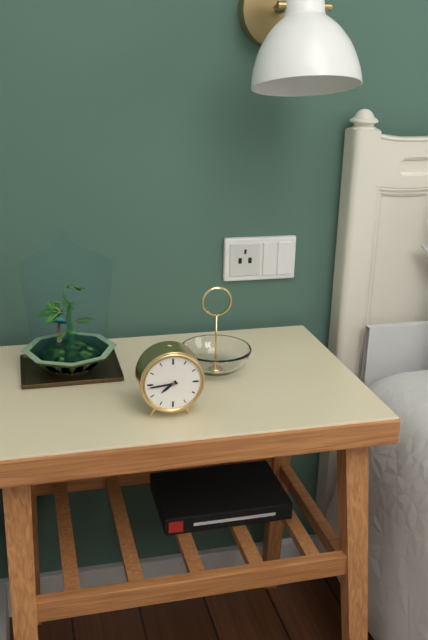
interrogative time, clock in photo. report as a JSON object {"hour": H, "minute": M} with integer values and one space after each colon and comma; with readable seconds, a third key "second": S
{"hour": 7, "minute": 44}
